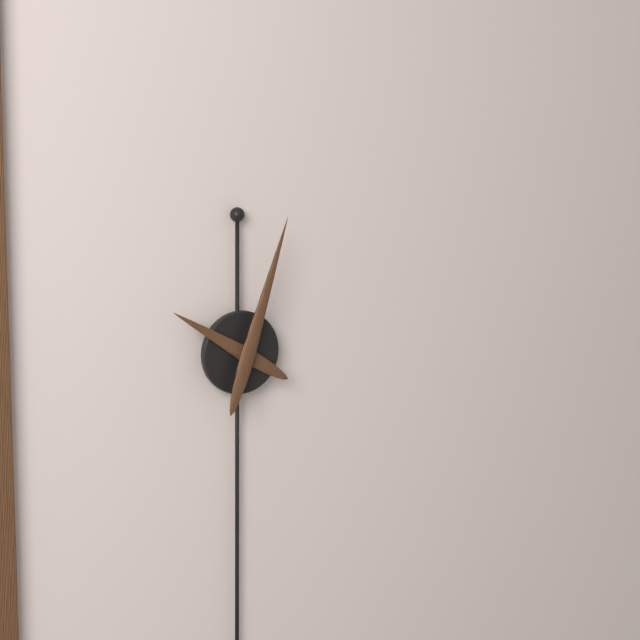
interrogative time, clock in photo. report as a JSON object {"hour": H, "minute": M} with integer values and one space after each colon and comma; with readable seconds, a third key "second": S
{"hour": 10, "minute": 3}
